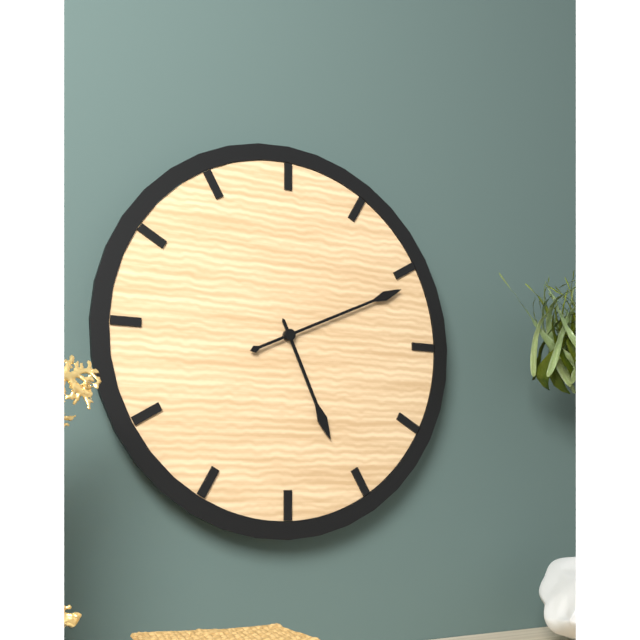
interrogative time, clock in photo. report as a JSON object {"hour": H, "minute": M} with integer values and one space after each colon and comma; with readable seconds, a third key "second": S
{"hour": 5, "minute": 11}
